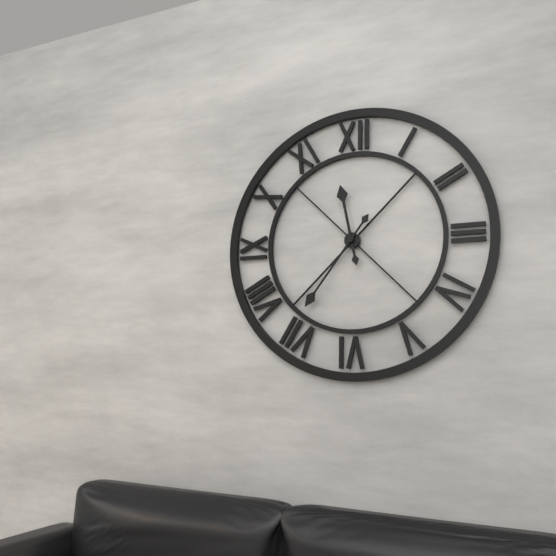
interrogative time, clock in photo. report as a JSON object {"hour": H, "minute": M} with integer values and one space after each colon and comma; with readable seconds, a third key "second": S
{"hour": 11, "minute": 36}
